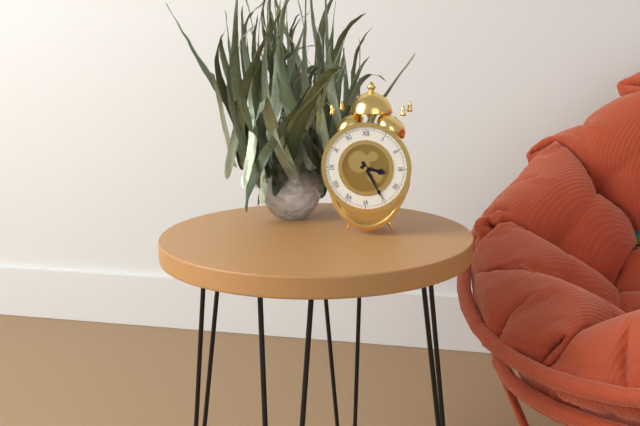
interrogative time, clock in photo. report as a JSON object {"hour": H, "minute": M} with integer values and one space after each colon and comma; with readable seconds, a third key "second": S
{"hour": 3, "minute": 25}
